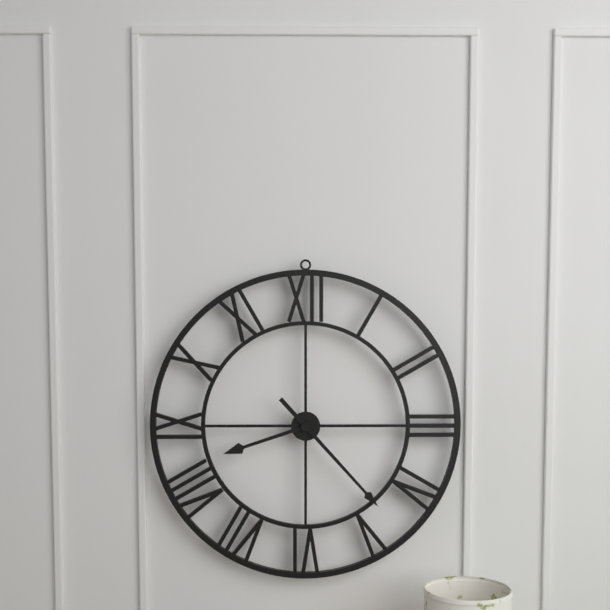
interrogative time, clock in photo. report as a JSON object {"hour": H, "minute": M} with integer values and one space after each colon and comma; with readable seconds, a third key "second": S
{"hour": 8, "minute": 23}
